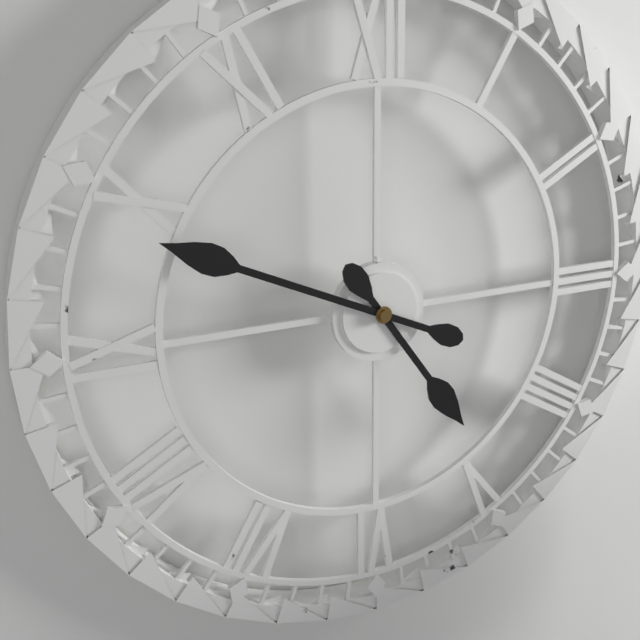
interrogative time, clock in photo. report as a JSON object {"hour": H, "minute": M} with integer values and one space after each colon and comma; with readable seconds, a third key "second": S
{"hour": 4, "minute": 49}
